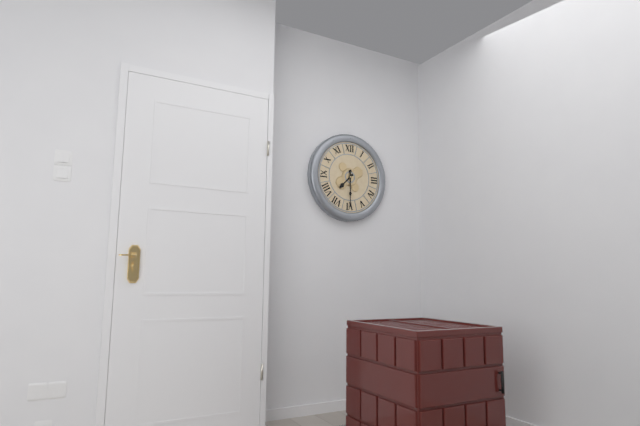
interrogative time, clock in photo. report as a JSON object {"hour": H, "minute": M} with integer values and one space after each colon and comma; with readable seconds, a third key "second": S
{"hour": 7, "minute": 30}
